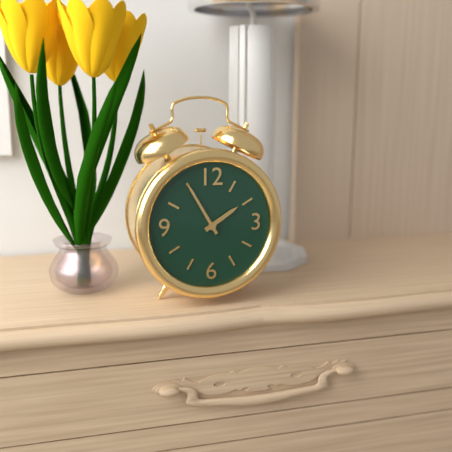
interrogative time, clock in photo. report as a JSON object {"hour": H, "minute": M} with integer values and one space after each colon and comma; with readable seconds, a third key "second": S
{"hour": 1, "minute": 55}
